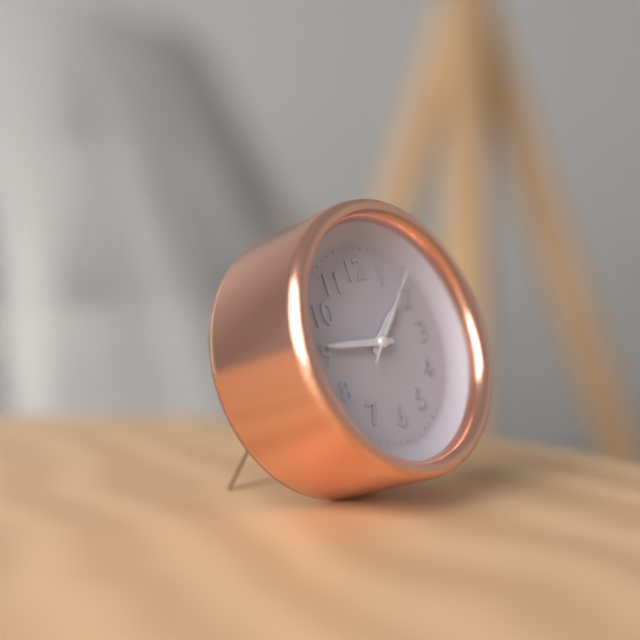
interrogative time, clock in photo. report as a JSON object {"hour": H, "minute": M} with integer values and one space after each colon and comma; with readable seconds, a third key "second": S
{"hour": 1, "minute": 46, "second": 8}
